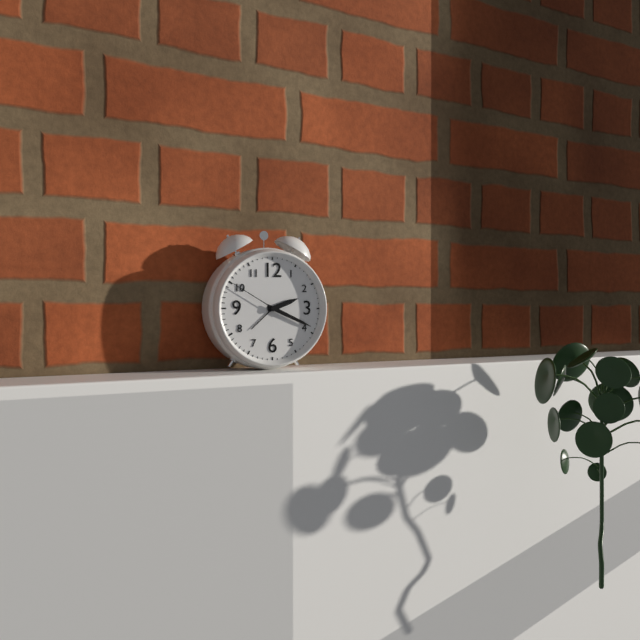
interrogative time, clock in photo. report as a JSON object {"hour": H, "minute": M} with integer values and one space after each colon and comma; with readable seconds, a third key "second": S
{"hour": 2, "minute": 19, "second": 50}
